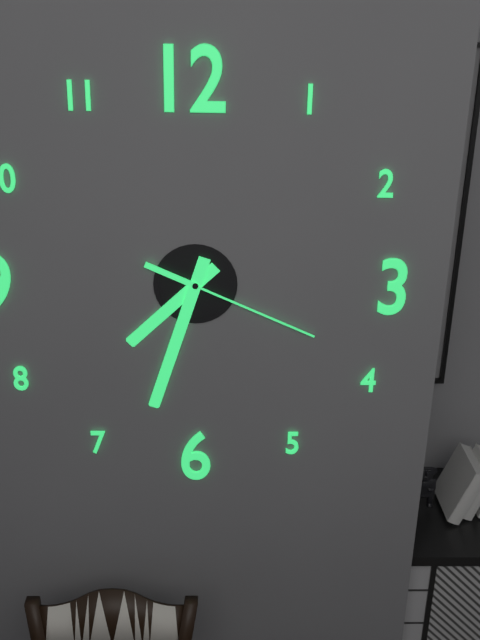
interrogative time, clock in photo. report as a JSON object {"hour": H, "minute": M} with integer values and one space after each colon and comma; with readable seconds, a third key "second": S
{"hour": 7, "minute": 33, "second": 19}
